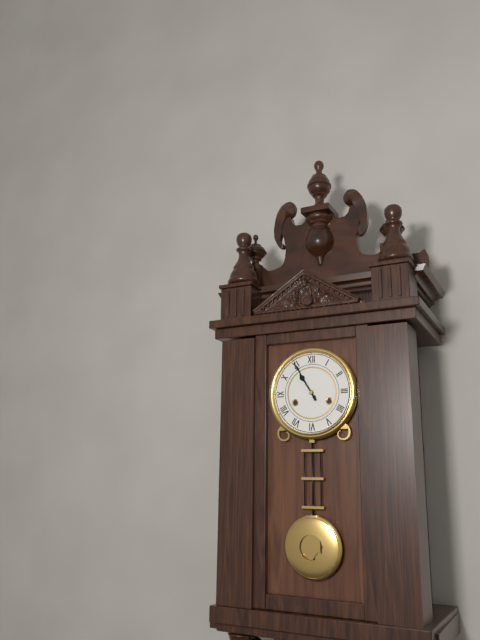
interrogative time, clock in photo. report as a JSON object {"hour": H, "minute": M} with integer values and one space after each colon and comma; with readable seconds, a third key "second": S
{"hour": 10, "minute": 55}
